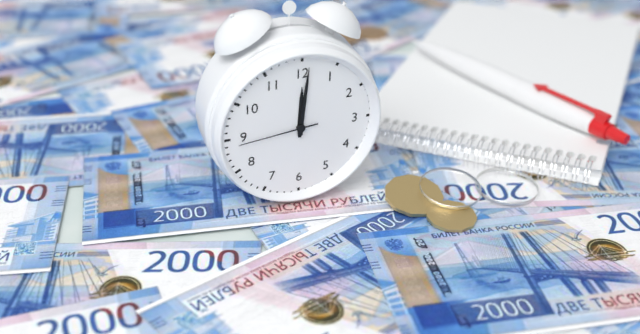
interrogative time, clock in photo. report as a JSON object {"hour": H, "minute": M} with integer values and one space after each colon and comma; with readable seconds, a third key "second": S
{"hour": 12, "minute": 1, "second": 44}
